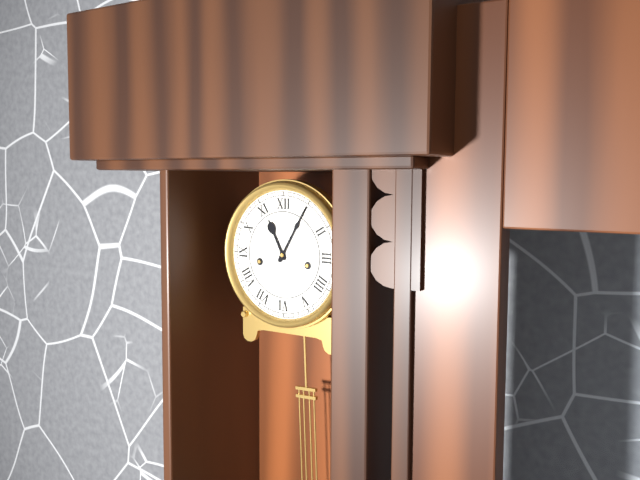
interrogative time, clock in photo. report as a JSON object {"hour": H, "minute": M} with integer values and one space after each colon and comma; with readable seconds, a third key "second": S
{"hour": 11, "minute": 5}
